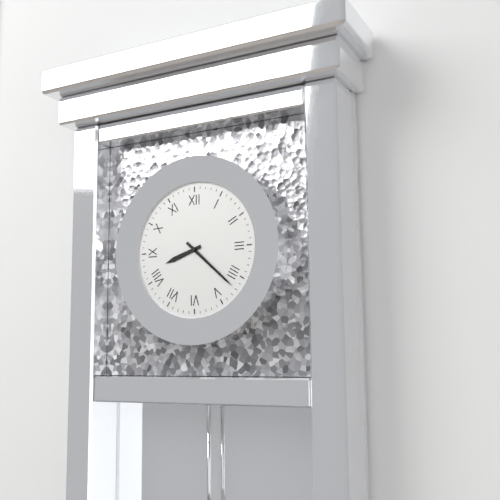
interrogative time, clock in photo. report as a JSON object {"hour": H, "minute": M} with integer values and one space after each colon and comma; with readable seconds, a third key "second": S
{"hour": 8, "minute": 22}
